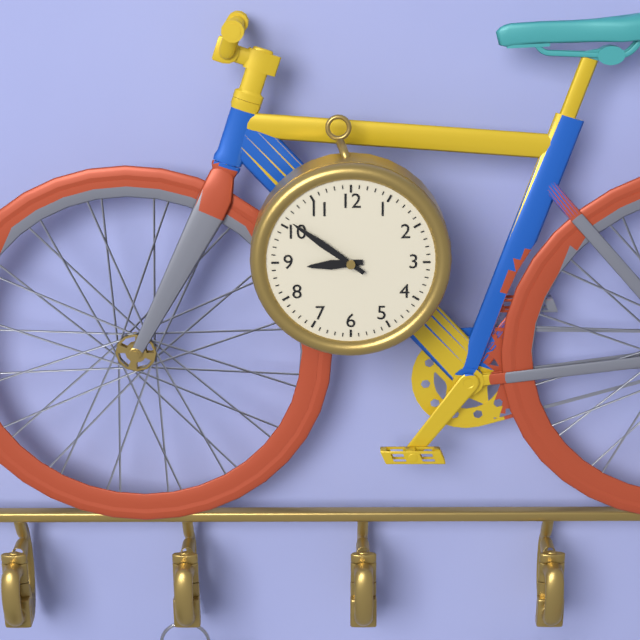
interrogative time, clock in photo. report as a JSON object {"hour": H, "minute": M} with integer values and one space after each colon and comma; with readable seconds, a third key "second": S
{"hour": 8, "minute": 51}
